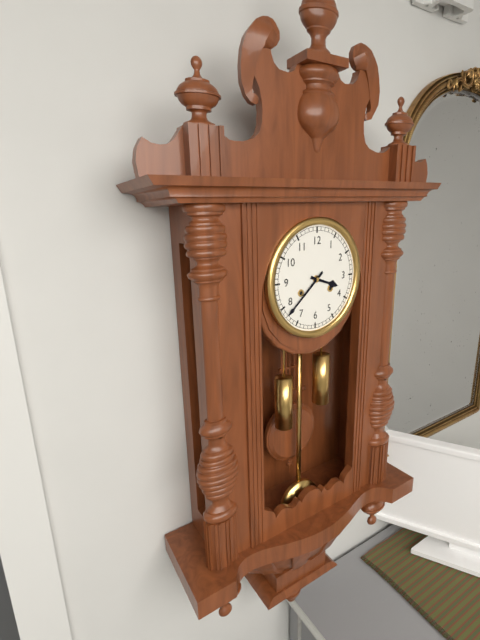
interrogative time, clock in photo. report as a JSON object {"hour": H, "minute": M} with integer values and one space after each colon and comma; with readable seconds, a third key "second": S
{"hour": 3, "minute": 38}
